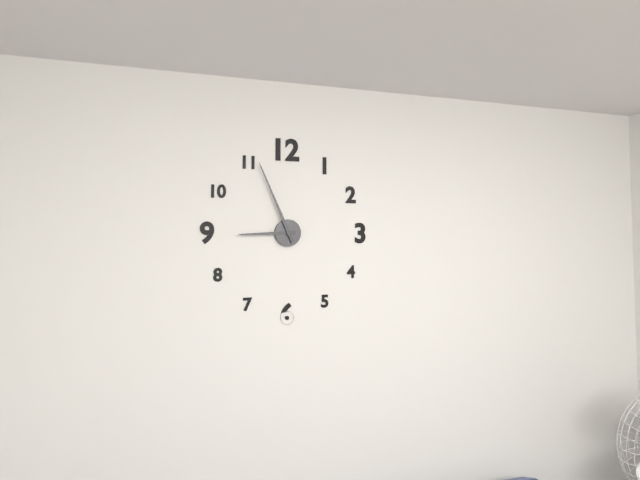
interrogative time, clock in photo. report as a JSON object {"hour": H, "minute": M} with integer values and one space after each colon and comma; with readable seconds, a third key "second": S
{"hour": 8, "minute": 56}
